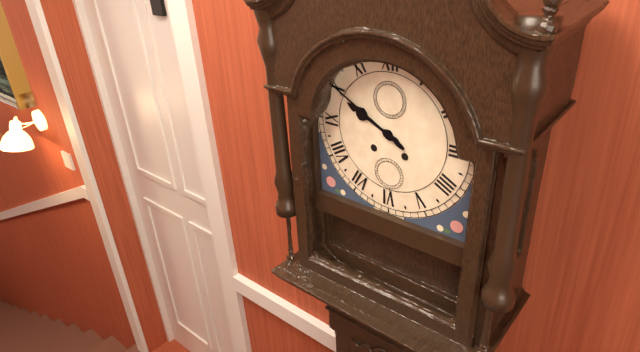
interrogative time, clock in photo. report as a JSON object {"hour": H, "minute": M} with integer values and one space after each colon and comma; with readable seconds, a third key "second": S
{"hour": 9, "minute": 50}
